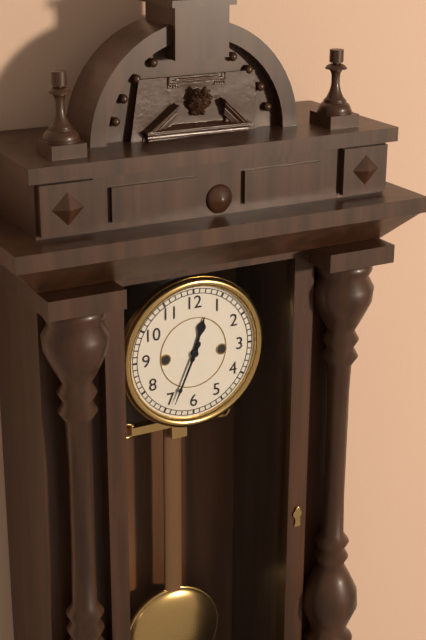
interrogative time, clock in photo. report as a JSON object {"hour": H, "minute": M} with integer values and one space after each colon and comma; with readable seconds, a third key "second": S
{"hour": 12, "minute": 34}
